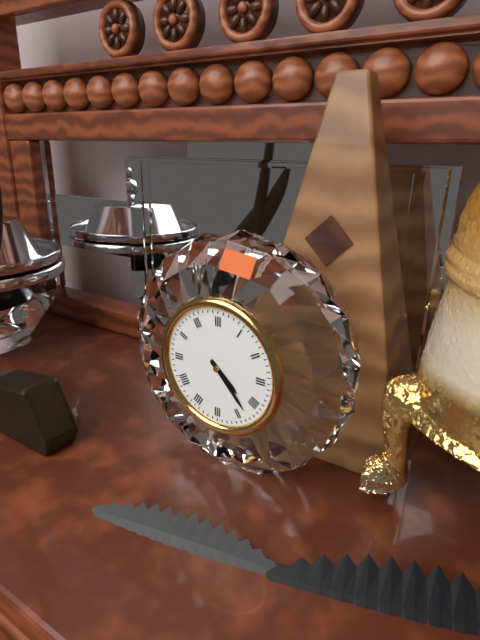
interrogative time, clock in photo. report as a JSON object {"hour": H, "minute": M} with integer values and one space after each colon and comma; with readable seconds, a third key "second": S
{"hour": 4, "minute": 23}
